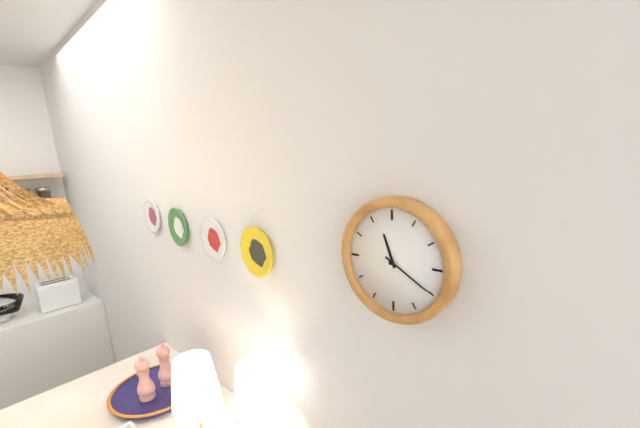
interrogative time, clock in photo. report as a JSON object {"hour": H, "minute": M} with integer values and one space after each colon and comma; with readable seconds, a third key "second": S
{"hour": 11, "minute": 20}
